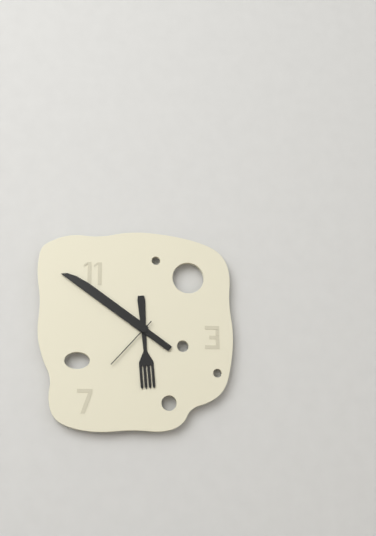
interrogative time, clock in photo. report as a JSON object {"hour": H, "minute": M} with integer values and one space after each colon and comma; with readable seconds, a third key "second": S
{"hour": 5, "minute": 51, "second": 37}
